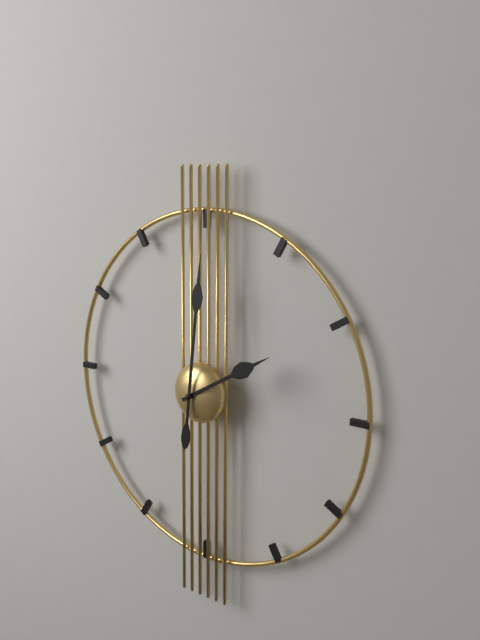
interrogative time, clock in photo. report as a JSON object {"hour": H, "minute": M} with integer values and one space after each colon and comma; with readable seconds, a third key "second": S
{"hour": 2, "minute": 1}
